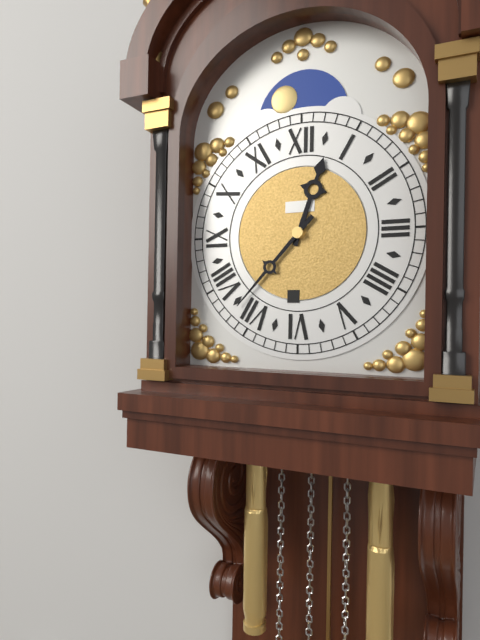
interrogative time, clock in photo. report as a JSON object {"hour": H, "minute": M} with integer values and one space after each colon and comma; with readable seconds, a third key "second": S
{"hour": 12, "minute": 37}
